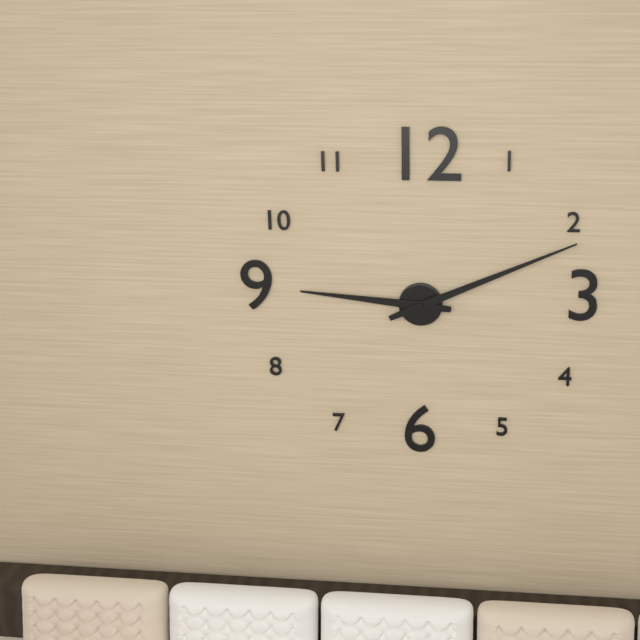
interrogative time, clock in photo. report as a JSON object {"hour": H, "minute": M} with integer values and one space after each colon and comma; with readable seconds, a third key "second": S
{"hour": 9, "minute": 11}
